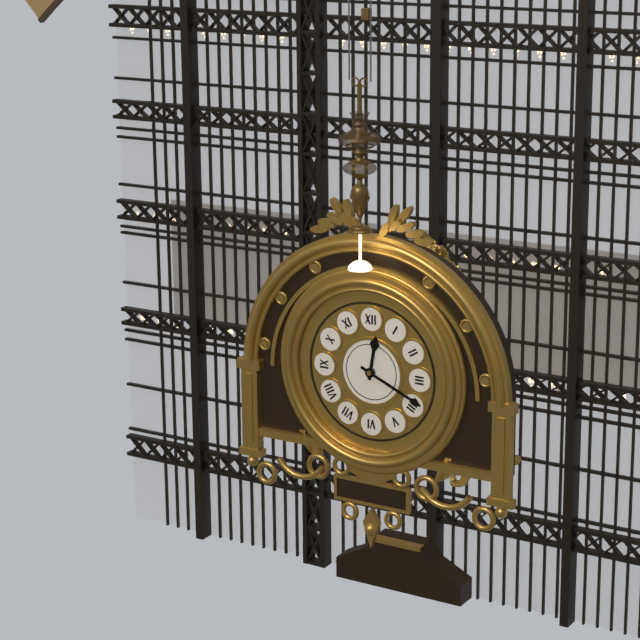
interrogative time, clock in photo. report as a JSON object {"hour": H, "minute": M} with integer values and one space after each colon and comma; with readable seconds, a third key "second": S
{"hour": 12, "minute": 19}
